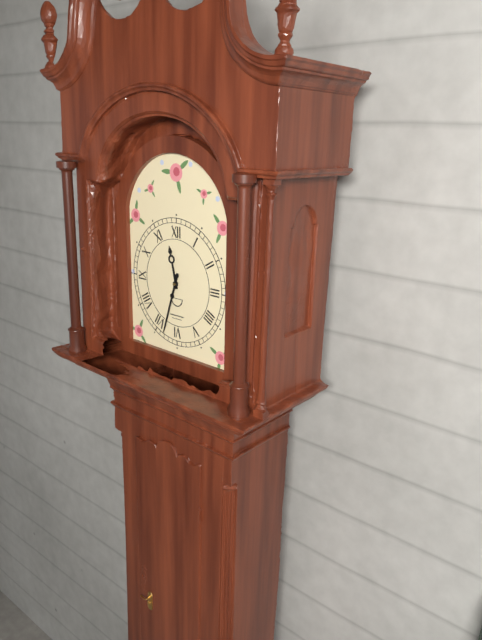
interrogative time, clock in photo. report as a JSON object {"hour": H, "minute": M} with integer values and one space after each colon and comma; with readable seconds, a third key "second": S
{"hour": 11, "minute": 33}
